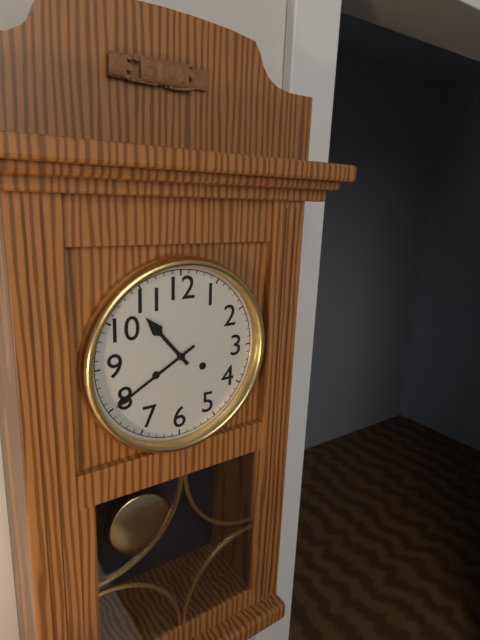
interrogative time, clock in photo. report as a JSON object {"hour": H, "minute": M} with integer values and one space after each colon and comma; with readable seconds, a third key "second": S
{"hour": 10, "minute": 40}
